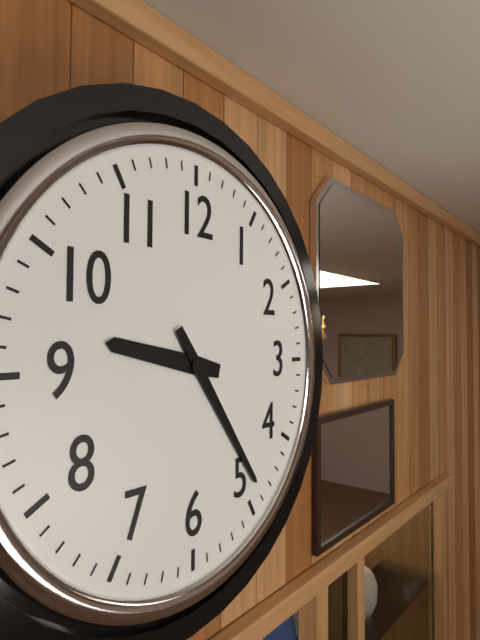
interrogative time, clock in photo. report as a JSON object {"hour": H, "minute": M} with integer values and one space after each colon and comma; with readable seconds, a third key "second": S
{"hour": 9, "minute": 24}
